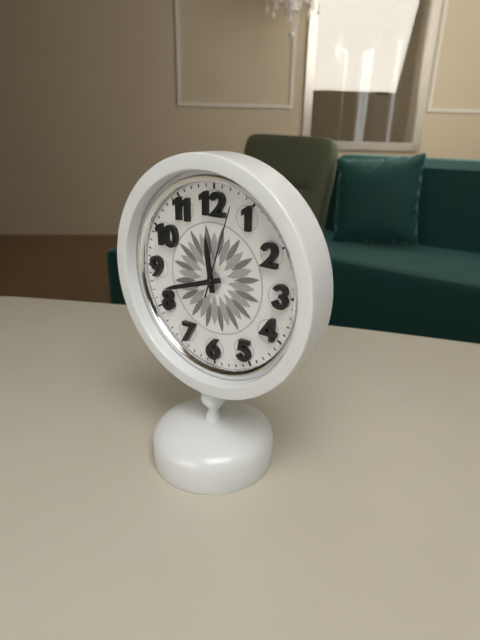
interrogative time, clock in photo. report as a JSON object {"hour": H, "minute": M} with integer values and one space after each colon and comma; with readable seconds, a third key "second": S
{"hour": 11, "minute": 42, "second": 3}
